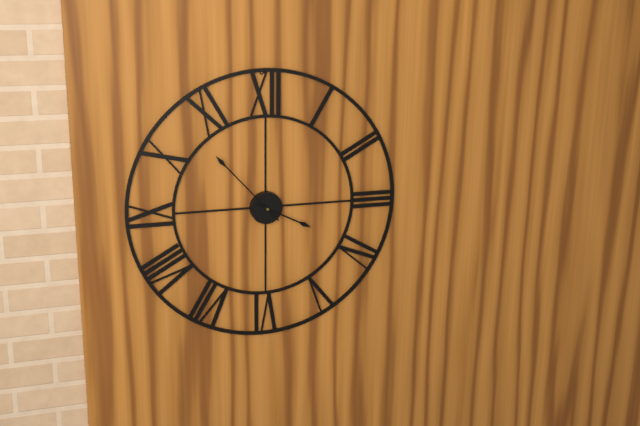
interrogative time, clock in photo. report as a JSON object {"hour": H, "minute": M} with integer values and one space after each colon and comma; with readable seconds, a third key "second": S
{"hour": 3, "minute": 53}
